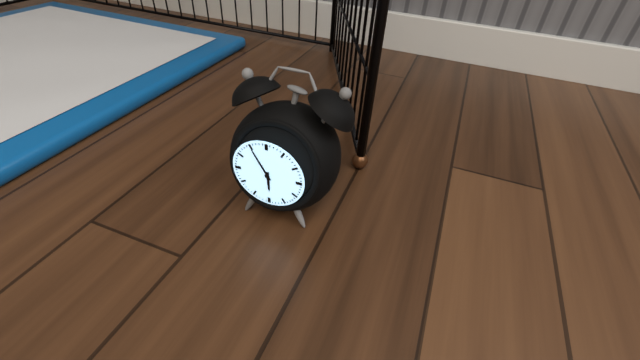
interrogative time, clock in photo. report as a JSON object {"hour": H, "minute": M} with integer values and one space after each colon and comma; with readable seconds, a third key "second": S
{"hour": 5, "minute": 55}
